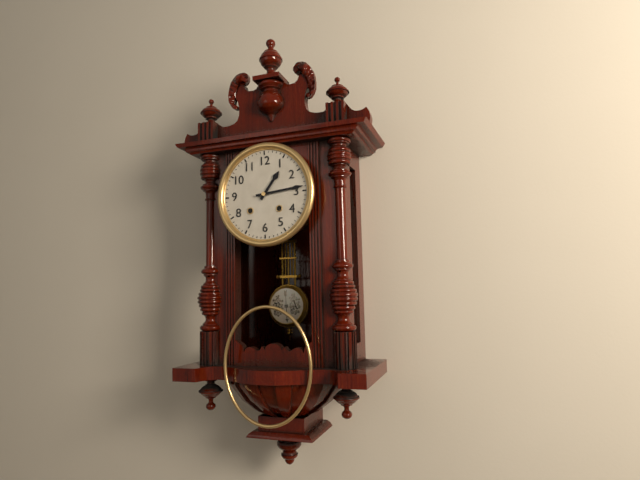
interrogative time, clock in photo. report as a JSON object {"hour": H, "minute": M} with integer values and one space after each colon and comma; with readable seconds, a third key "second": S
{"hour": 1, "minute": 14}
